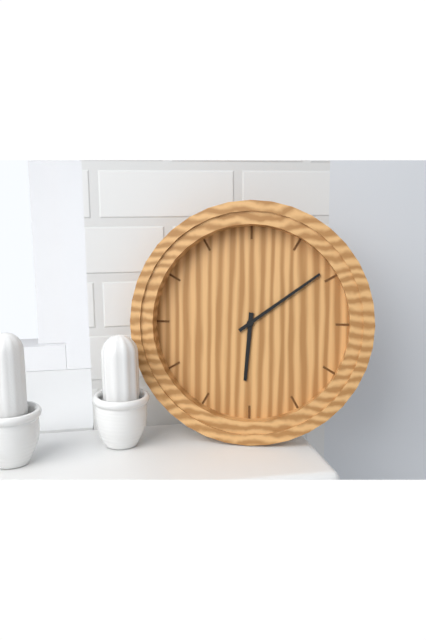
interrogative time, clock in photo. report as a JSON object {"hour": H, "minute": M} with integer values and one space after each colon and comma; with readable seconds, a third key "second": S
{"hour": 6, "minute": 9}
